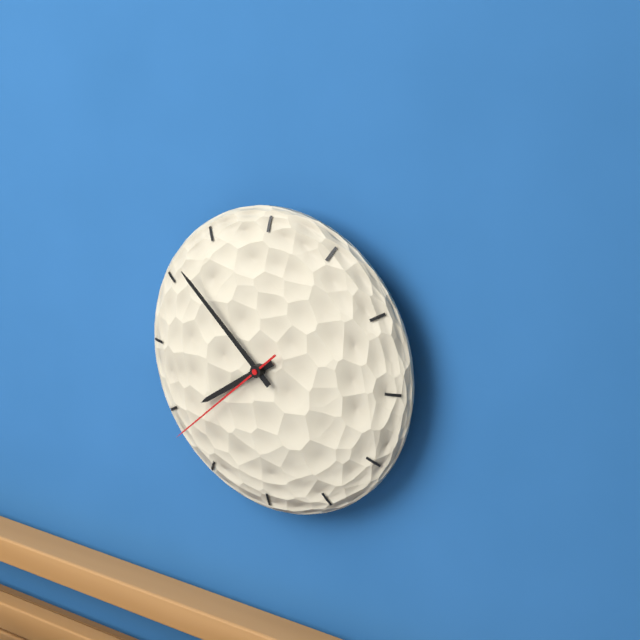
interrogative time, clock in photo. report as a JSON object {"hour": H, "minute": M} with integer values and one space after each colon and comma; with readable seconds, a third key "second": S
{"hour": 7, "minute": 52, "second": 38}
